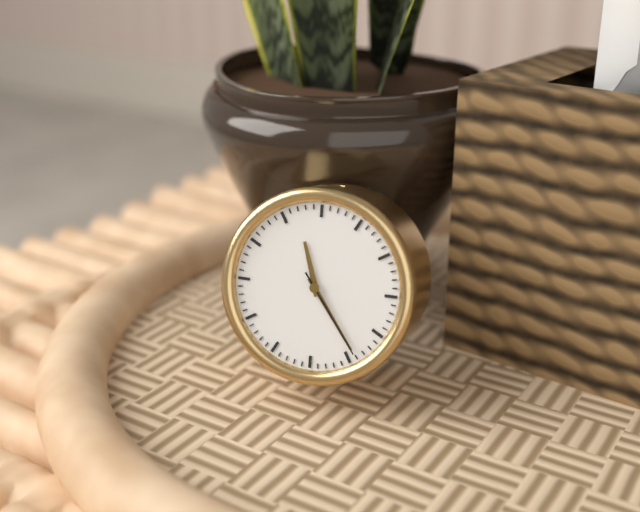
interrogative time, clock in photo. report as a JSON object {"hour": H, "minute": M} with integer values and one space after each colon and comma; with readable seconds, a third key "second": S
{"hour": 11, "minute": 24, "second": 24}
